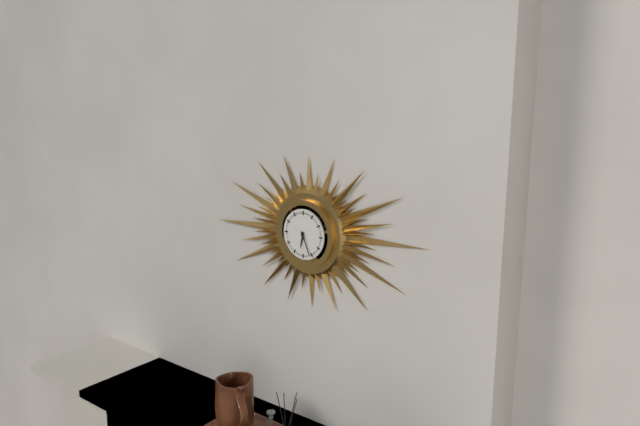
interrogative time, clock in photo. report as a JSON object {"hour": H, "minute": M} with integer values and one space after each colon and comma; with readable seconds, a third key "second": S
{"hour": 6, "minute": 26}
